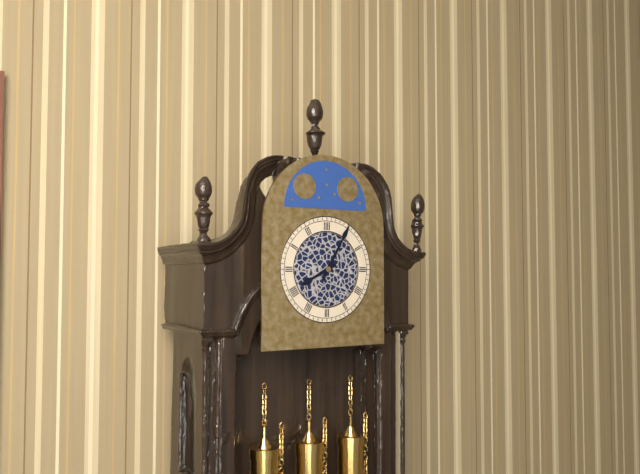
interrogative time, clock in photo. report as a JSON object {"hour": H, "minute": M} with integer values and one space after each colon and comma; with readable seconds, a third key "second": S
{"hour": 8, "minute": 5}
